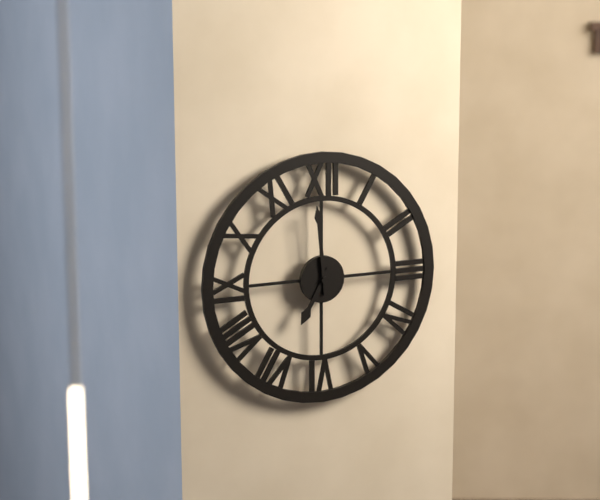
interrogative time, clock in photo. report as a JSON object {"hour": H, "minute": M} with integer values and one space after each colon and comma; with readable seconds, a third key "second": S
{"hour": 6, "minute": 59}
